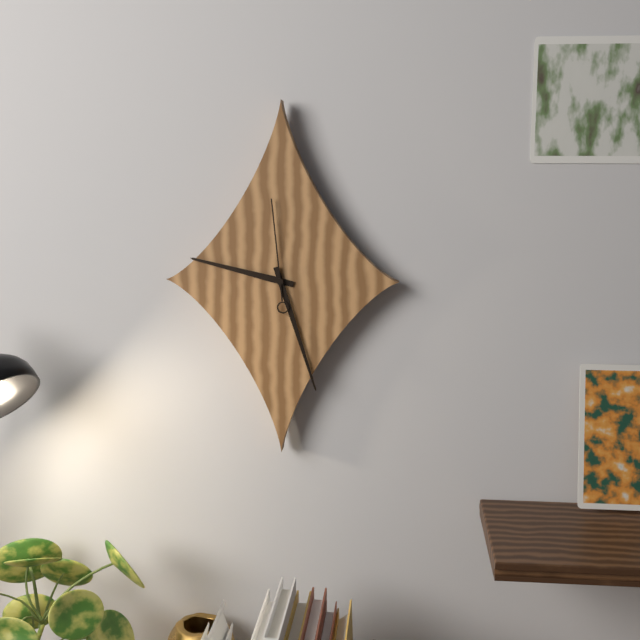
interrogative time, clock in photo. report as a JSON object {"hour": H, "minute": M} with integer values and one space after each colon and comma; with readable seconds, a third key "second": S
{"hour": 9, "minute": 27, "second": 59}
